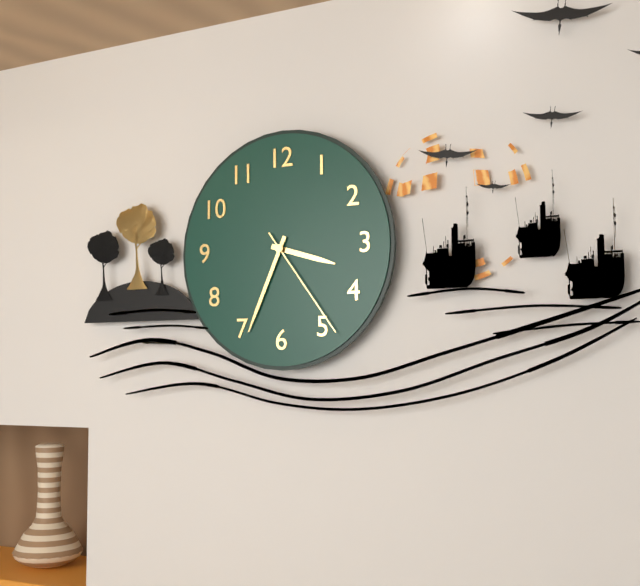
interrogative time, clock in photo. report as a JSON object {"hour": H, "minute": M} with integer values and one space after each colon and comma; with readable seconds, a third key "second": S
{"hour": 3, "minute": 34, "second": 24}
